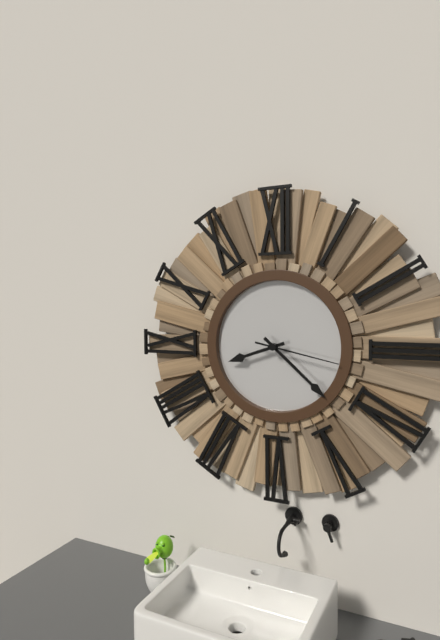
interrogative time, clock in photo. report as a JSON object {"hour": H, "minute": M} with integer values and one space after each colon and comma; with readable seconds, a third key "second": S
{"hour": 8, "minute": 22, "second": 17}
